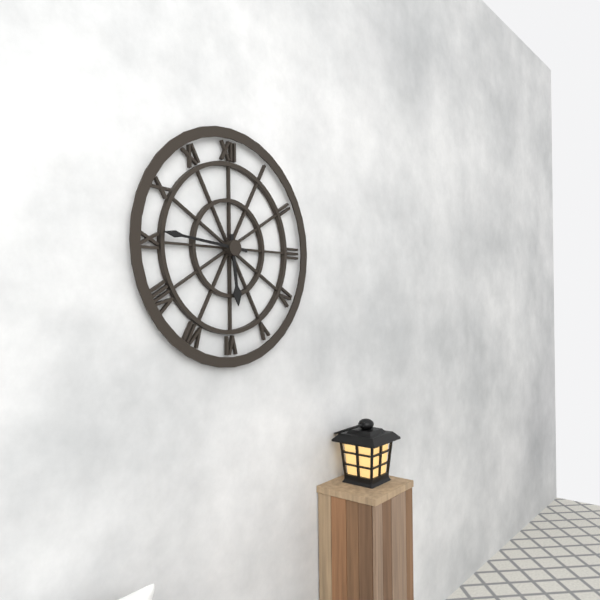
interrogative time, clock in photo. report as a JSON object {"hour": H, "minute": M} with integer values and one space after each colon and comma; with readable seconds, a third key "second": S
{"hour": 5, "minute": 46}
